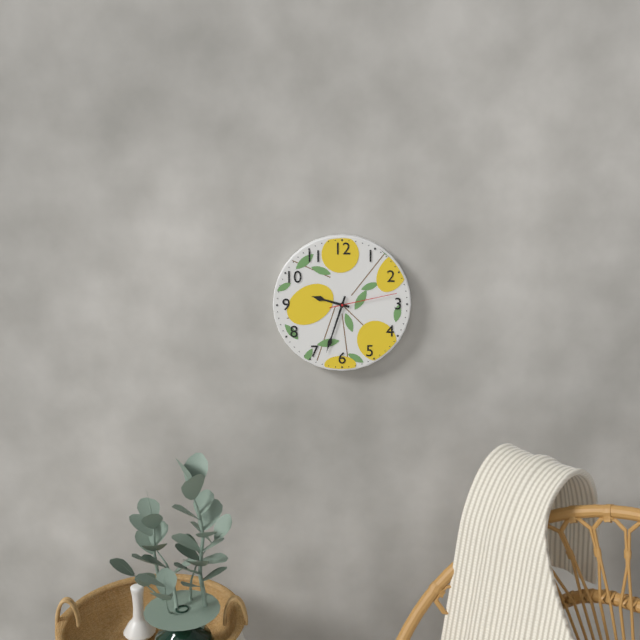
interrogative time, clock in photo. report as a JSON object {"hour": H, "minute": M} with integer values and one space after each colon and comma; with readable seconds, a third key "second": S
{"hour": 9, "minute": 33, "second": 13}
